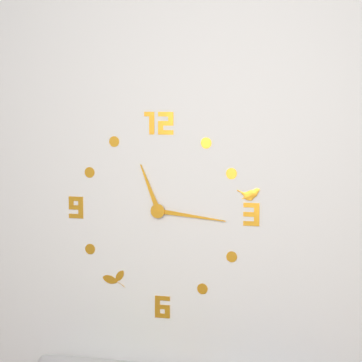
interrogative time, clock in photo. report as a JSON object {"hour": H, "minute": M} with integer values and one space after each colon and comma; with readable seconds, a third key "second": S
{"hour": 11, "minute": 16}
